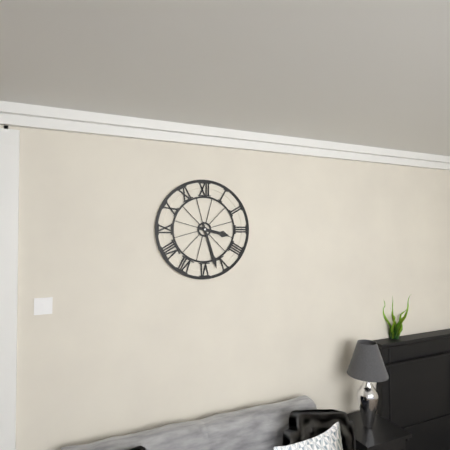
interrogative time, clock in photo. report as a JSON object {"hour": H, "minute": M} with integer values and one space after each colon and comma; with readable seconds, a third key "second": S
{"hour": 3, "minute": 27}
